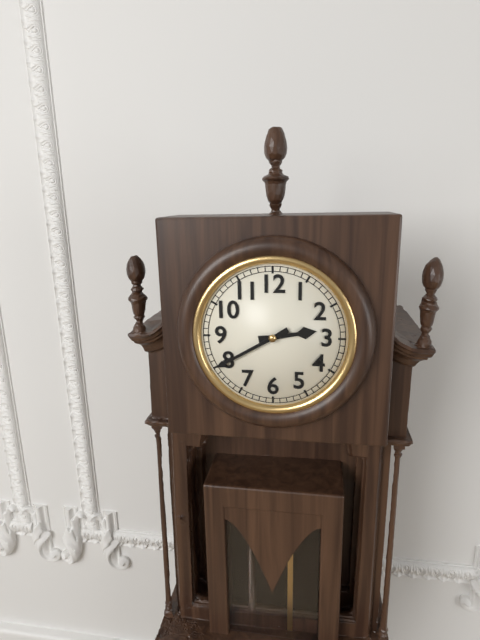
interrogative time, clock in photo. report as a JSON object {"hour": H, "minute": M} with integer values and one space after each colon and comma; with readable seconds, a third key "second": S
{"hour": 2, "minute": 40}
